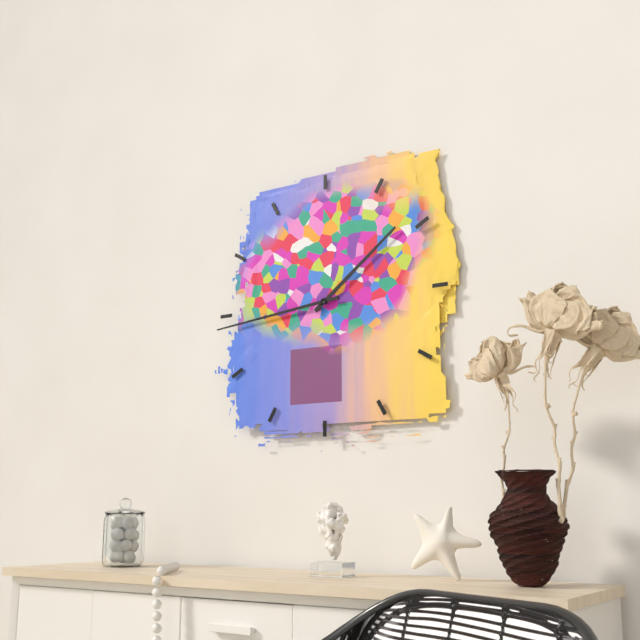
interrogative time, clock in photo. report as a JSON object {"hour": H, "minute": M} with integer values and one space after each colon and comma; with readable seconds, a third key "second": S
{"hour": 1, "minute": 44}
